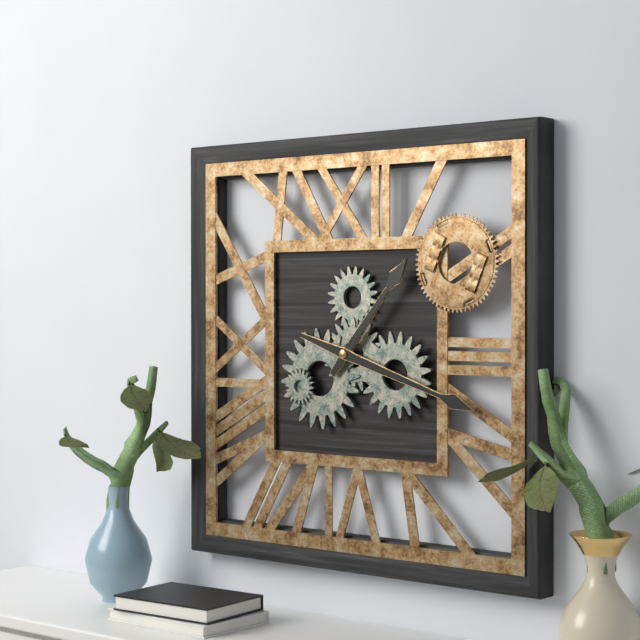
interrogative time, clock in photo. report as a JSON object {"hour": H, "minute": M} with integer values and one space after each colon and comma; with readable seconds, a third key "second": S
{"hour": 1, "minute": 18}
